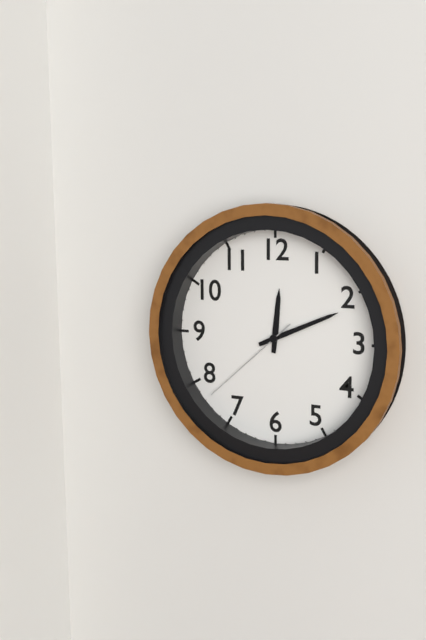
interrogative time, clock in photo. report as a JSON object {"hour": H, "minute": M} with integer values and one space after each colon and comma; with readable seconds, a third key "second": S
{"hour": 12, "minute": 11, "second": 38}
